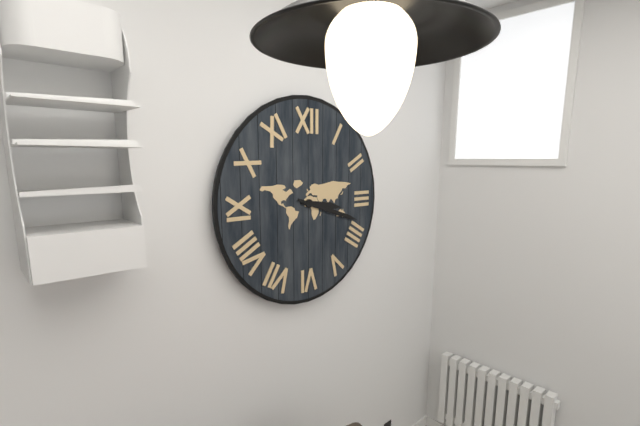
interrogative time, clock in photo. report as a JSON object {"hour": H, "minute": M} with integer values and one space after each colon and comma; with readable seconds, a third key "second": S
{"hour": 3, "minute": 18}
